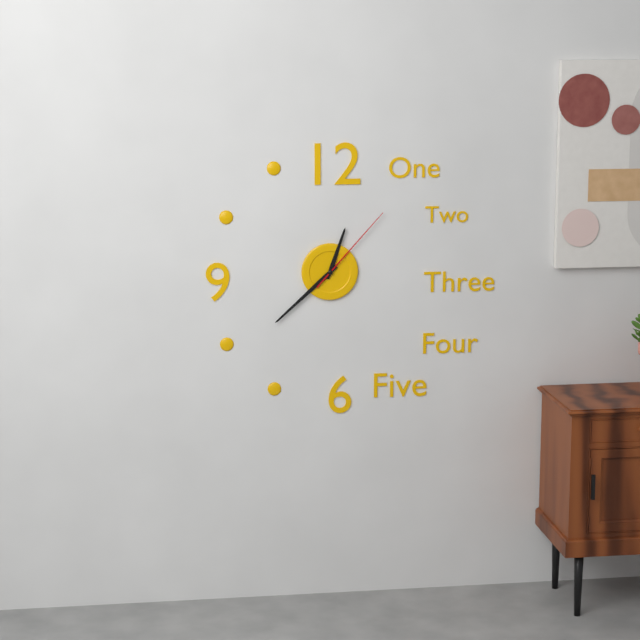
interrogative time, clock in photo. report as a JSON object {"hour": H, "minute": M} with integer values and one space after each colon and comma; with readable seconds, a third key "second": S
{"hour": 12, "minute": 38, "second": 7}
